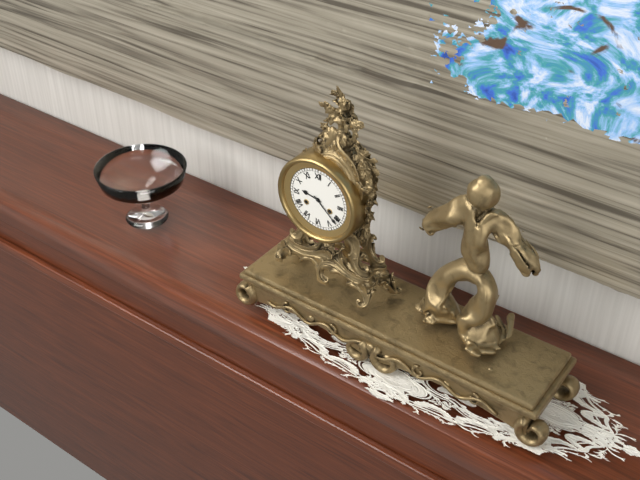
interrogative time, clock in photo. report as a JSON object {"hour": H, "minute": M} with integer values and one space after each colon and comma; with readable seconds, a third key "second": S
{"hour": 9, "minute": 22}
